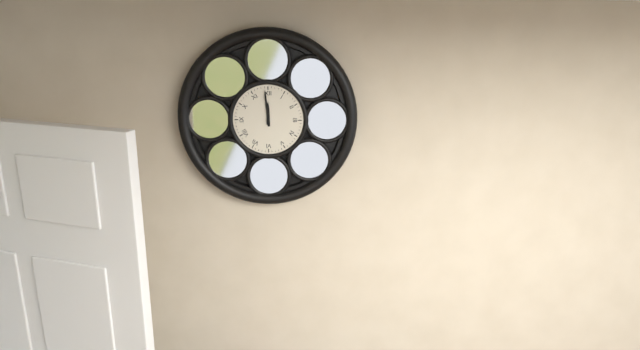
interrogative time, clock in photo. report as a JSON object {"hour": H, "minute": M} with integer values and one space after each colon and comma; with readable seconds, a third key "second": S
{"hour": 11, "minute": 59}
